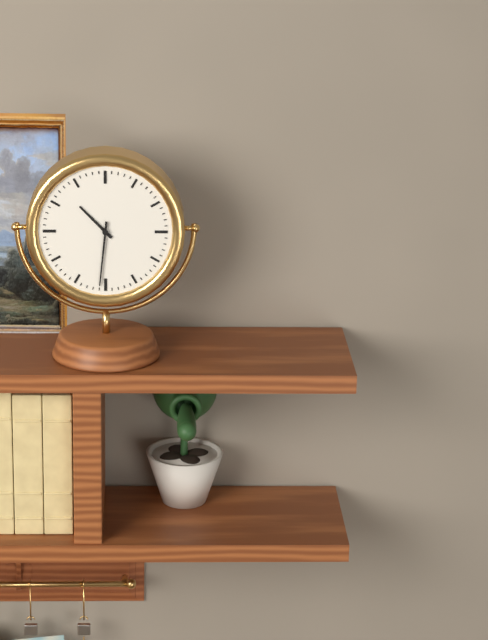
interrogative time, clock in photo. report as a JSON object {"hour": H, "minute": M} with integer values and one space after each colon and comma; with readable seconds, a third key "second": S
{"hour": 10, "minute": 31}
